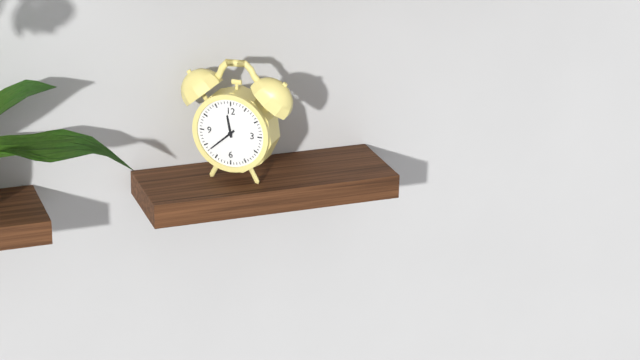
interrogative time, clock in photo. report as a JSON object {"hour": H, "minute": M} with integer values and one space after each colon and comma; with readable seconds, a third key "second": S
{"hour": 11, "minute": 38}
